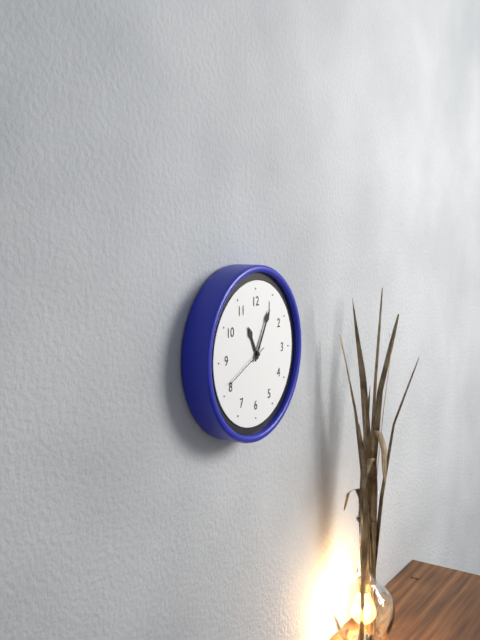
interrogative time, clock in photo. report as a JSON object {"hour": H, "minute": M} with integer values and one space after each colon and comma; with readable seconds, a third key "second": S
{"hour": 11, "minute": 5, "second": 41}
